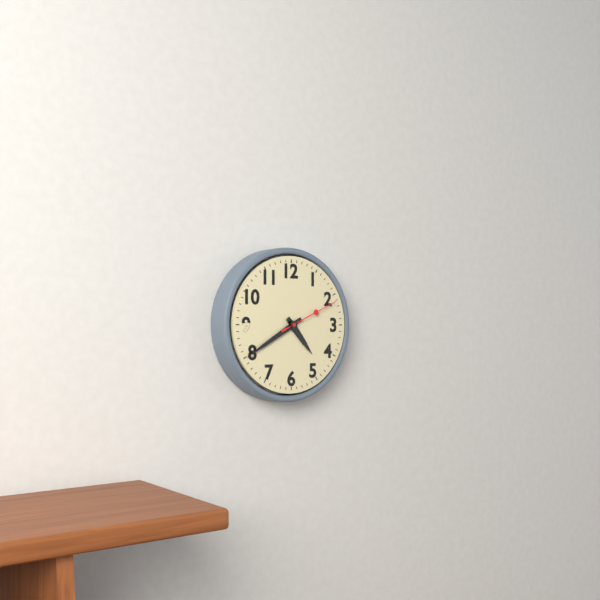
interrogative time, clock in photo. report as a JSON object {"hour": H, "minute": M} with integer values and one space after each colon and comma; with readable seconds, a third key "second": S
{"hour": 4, "minute": 40, "second": 11}
